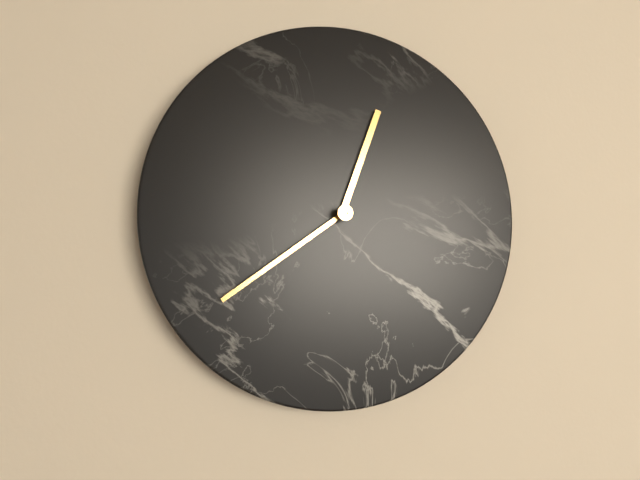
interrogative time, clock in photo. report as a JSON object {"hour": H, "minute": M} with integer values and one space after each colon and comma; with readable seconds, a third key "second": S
{"hour": 12, "minute": 39}
